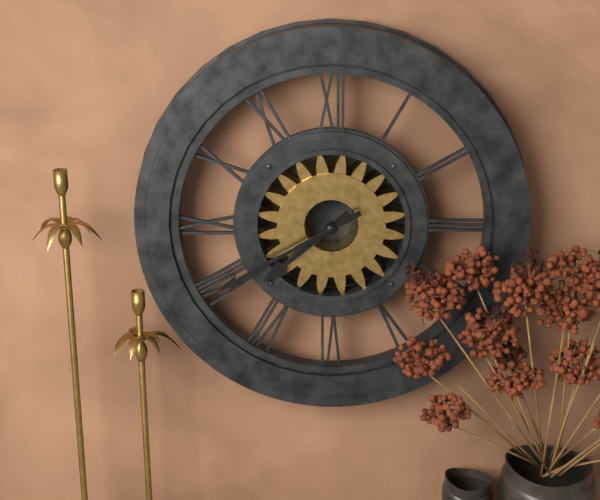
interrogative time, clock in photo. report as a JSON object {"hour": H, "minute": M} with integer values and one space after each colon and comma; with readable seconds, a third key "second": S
{"hour": 7, "minute": 40}
